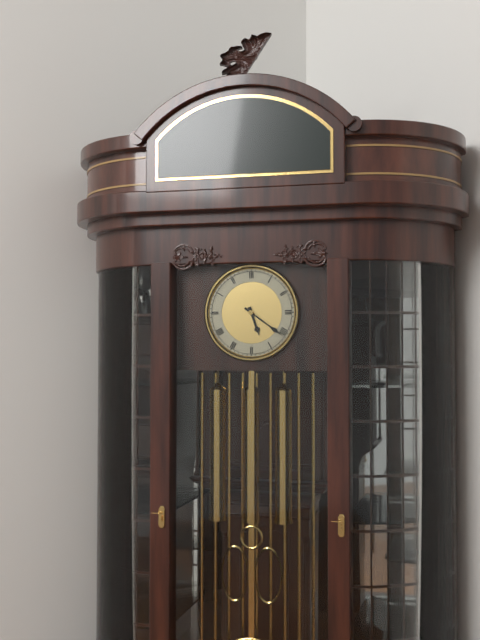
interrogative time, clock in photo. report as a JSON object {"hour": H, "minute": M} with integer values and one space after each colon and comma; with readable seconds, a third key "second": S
{"hour": 5, "minute": 21}
